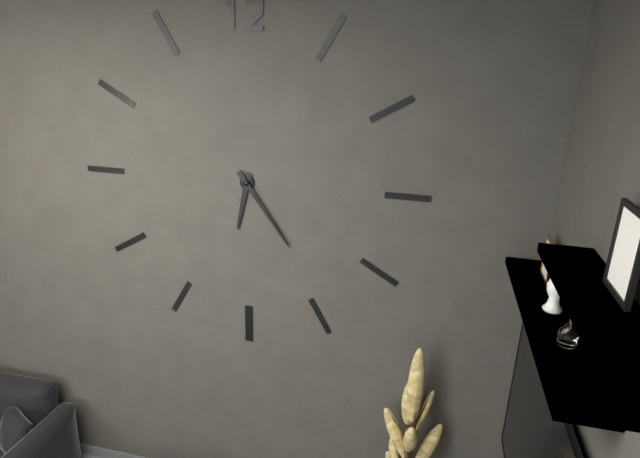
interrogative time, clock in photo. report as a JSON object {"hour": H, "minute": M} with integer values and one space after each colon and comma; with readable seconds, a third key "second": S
{"hour": 6, "minute": 24}
